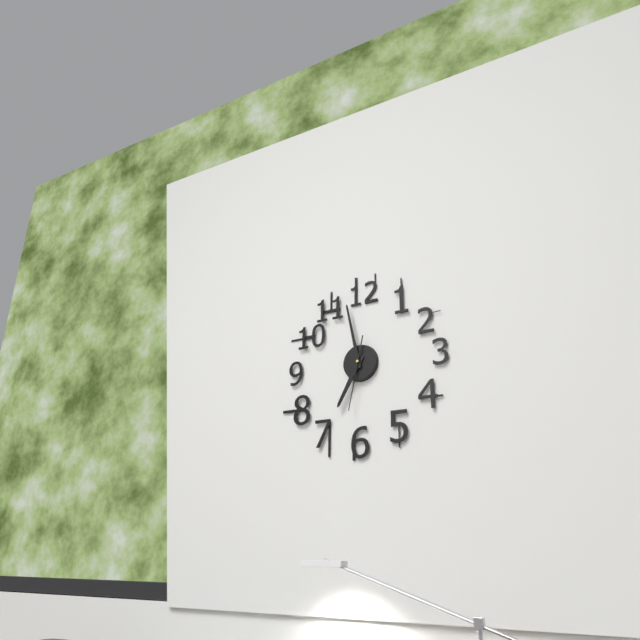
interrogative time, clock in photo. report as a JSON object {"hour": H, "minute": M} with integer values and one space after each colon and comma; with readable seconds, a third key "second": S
{"hour": 6, "minute": 58, "second": 32}
